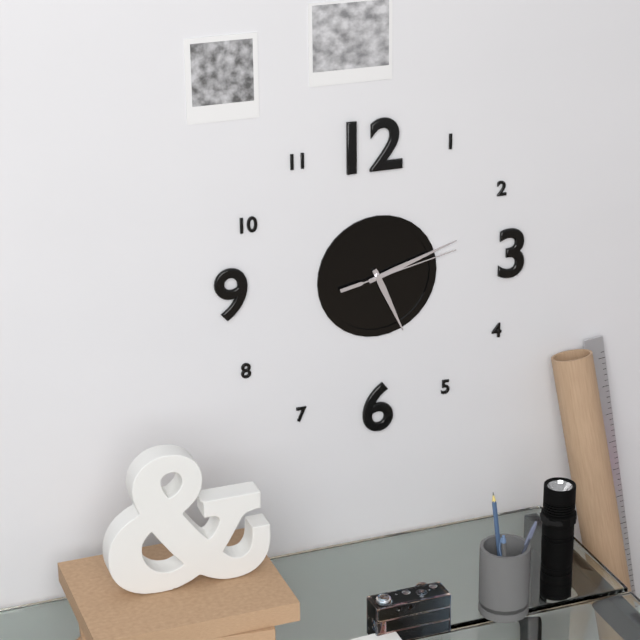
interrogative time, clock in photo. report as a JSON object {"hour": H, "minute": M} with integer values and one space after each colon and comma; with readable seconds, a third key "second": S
{"hour": 5, "minute": 12, "second": 13}
